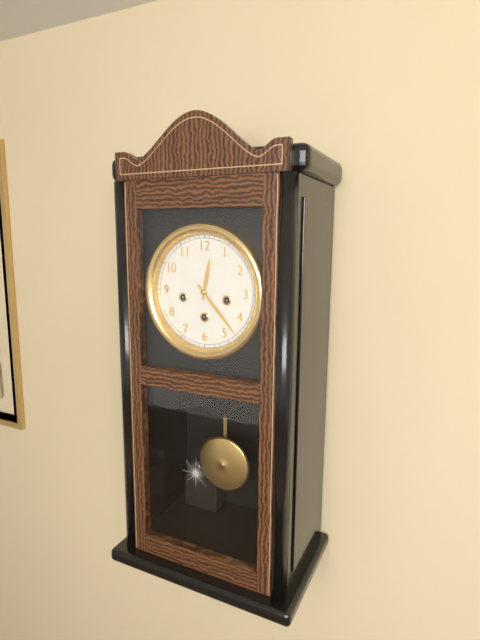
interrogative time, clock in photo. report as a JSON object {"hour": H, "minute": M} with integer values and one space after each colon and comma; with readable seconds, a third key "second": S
{"hour": 12, "minute": 23}
